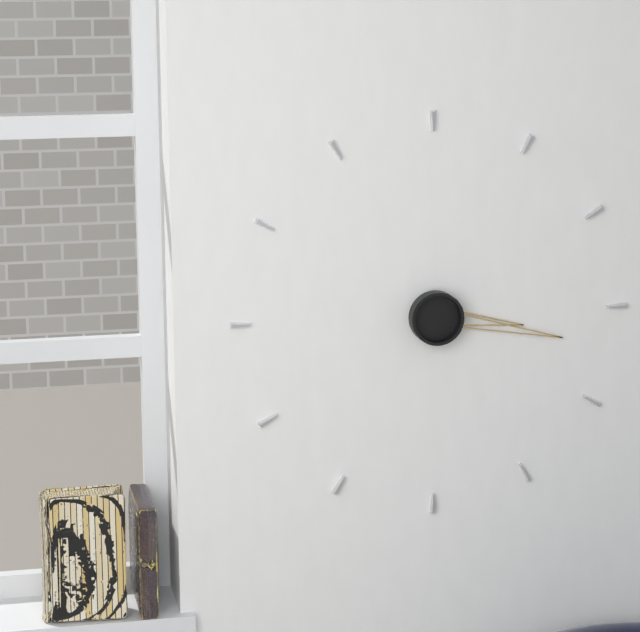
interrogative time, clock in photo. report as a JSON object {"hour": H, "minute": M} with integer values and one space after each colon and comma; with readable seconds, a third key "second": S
{"hour": 3, "minute": 17}
